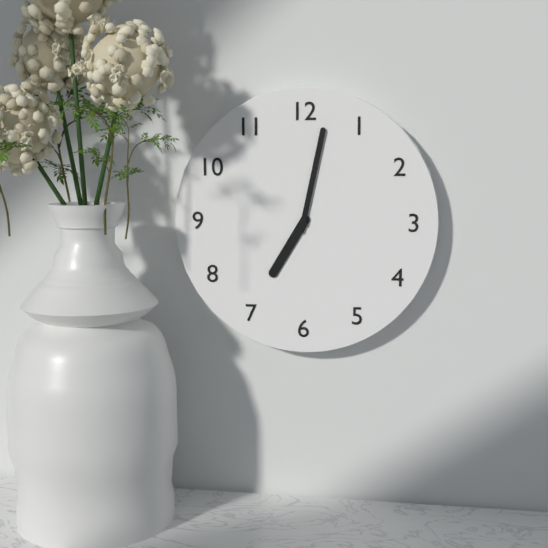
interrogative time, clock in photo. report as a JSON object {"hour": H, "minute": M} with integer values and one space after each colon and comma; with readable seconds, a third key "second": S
{"hour": 7, "minute": 2}
